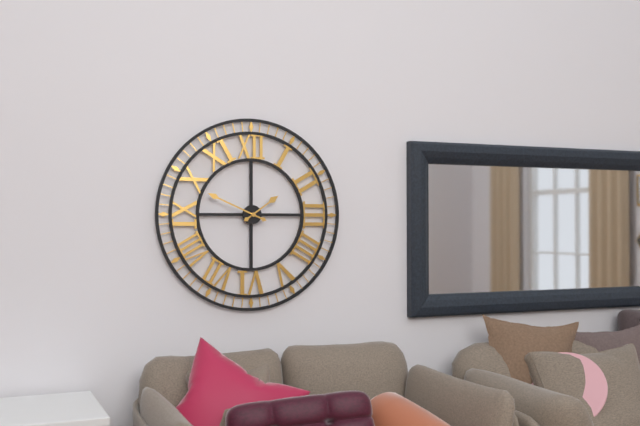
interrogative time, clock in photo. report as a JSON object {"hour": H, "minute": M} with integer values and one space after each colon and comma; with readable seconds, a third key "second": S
{"hour": 1, "minute": 49}
